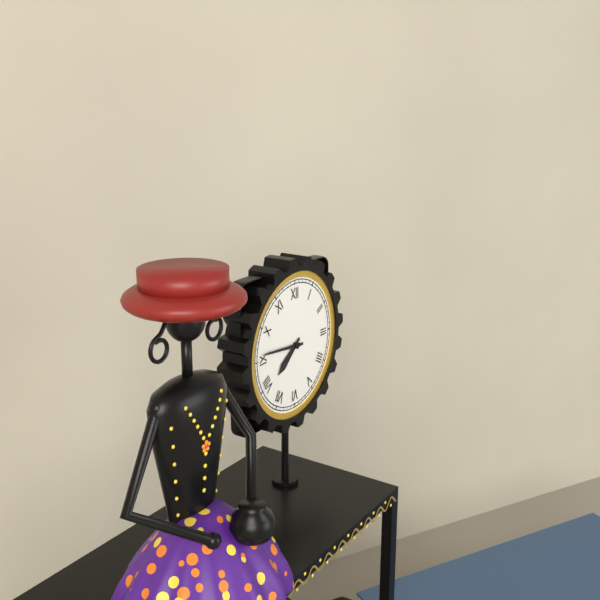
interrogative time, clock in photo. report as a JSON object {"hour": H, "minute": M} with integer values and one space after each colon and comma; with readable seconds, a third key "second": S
{"hour": 7, "minute": 46}
